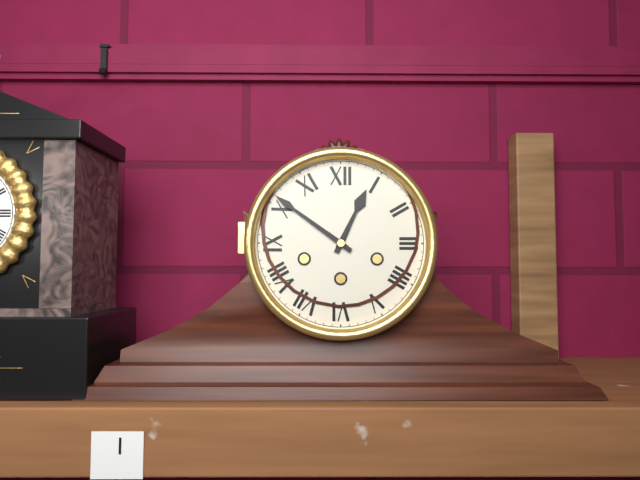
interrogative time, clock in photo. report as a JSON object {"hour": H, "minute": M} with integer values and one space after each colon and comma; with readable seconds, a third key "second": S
{"hour": 12, "minute": 51}
